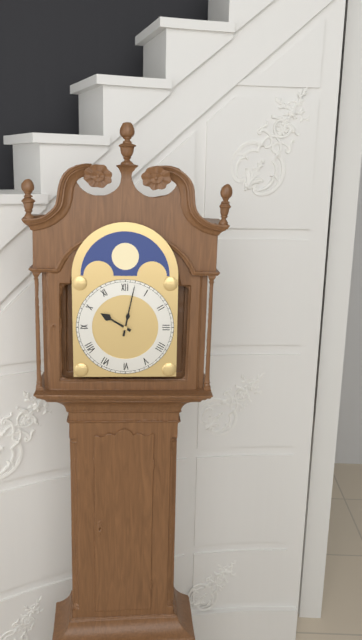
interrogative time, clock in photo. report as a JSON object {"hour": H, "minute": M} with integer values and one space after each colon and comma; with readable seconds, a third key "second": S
{"hour": 10, "minute": 2}
